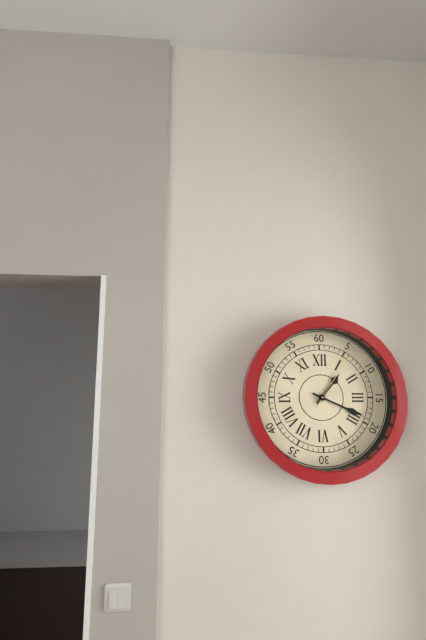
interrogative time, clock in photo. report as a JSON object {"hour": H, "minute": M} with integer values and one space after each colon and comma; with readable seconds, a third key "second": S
{"hour": 1, "minute": 19, "second": 6}
